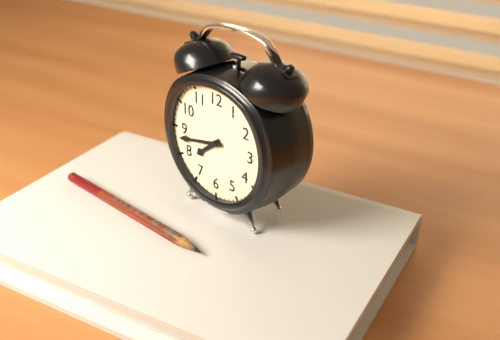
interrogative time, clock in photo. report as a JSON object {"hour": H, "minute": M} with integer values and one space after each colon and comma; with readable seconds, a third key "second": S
{"hour": 7, "minute": 43}
